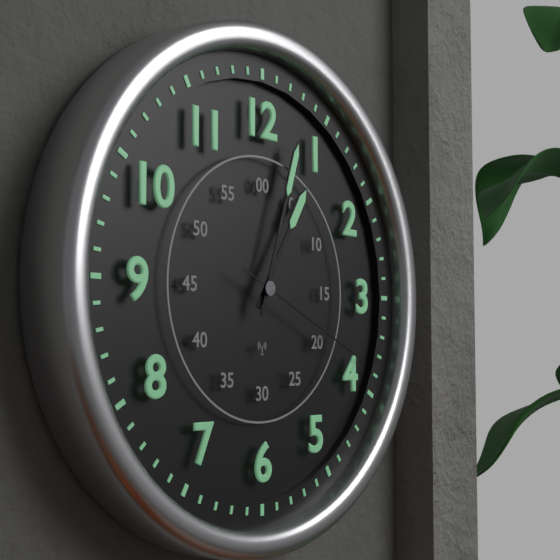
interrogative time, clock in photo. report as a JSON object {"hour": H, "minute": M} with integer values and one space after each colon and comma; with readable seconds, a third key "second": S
{"hour": 1, "minute": 3, "second": 19}
